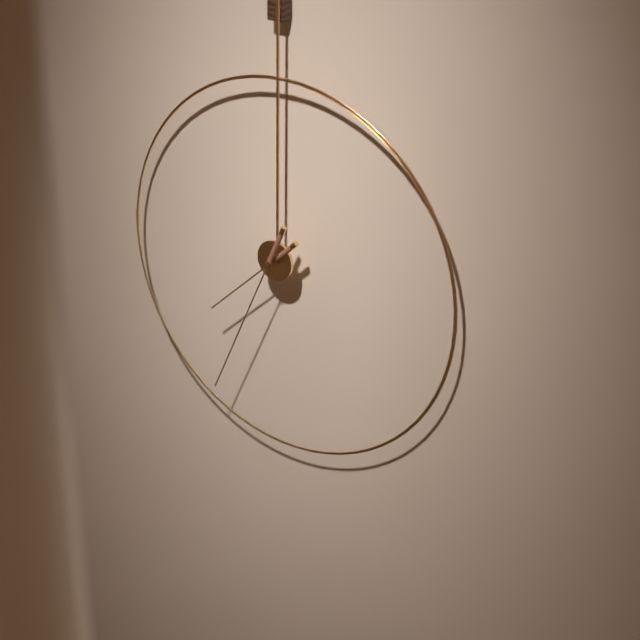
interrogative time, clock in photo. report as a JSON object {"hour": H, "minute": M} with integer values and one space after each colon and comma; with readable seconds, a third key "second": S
{"hour": 7, "minute": 34}
